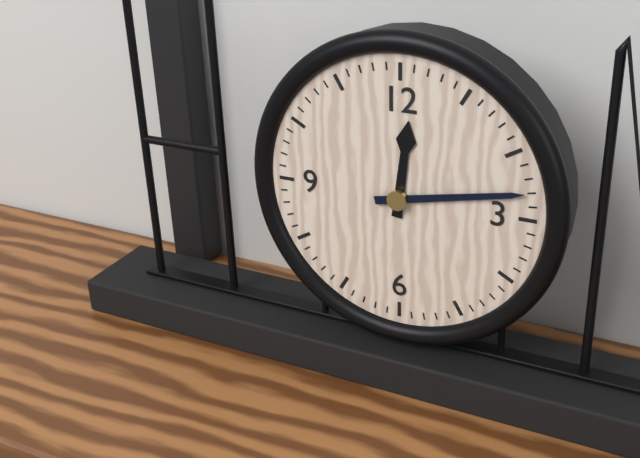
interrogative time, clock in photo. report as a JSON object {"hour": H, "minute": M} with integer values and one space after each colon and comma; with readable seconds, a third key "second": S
{"hour": 12, "minute": 13}
